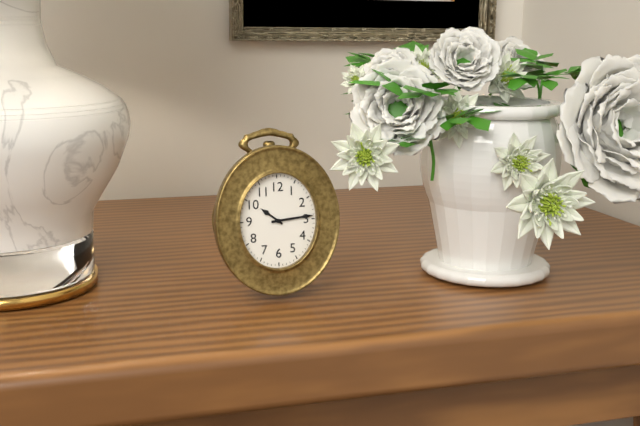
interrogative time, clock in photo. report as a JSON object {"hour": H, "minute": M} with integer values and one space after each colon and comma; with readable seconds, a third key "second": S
{"hour": 10, "minute": 14}
